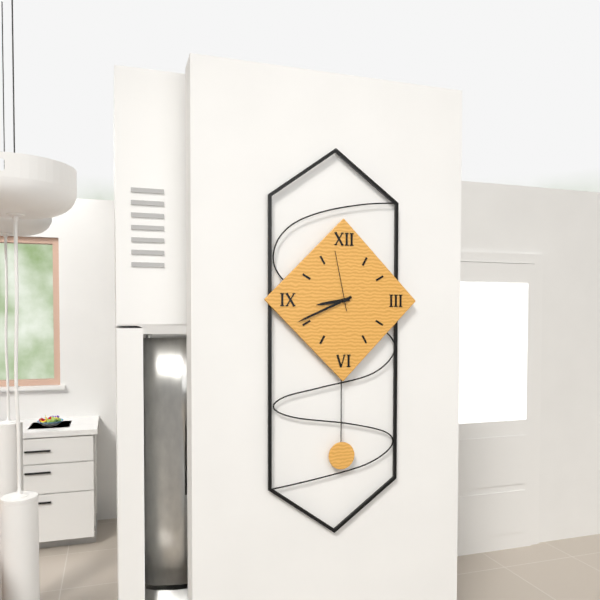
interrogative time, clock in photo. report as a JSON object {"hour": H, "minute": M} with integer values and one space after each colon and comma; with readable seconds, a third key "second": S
{"hour": 8, "minute": 41, "second": 58}
